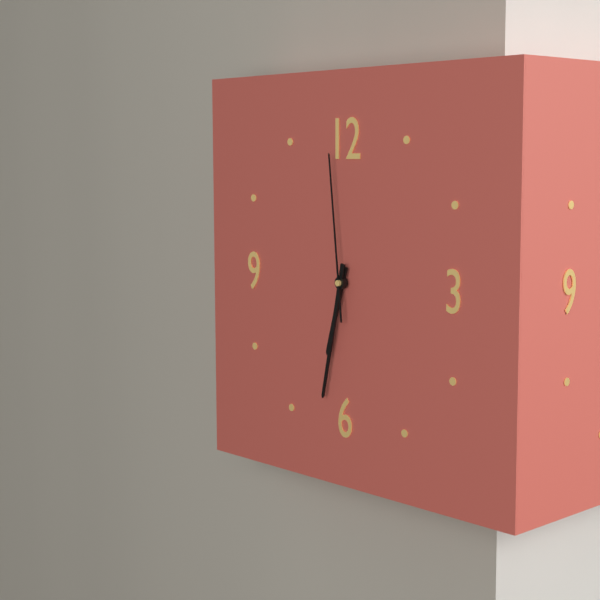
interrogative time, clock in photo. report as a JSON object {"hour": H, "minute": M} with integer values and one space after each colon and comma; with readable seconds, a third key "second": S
{"hour": 6, "minute": 32, "second": 59}
